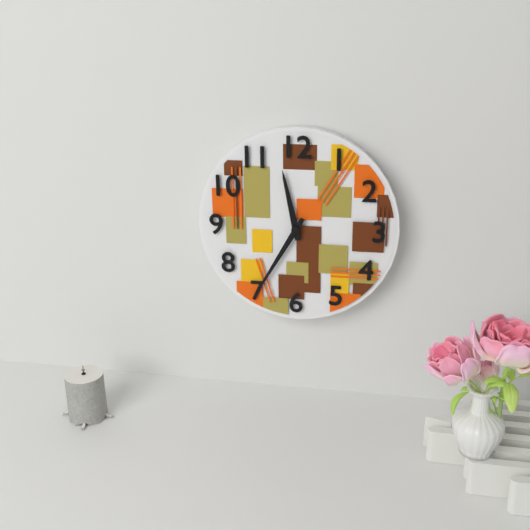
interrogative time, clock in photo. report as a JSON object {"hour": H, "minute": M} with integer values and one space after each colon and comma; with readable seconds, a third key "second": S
{"hour": 11, "minute": 35}
